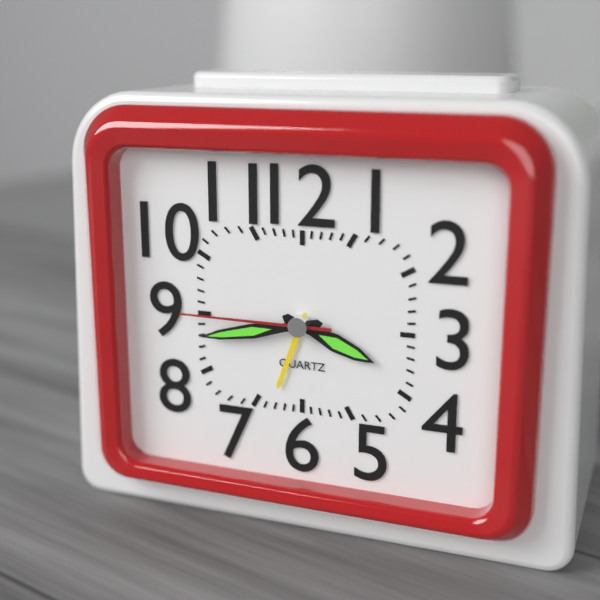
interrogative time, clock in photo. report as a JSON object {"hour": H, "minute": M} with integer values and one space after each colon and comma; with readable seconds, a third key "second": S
{"hour": 3, "minute": 43, "second": 45}
